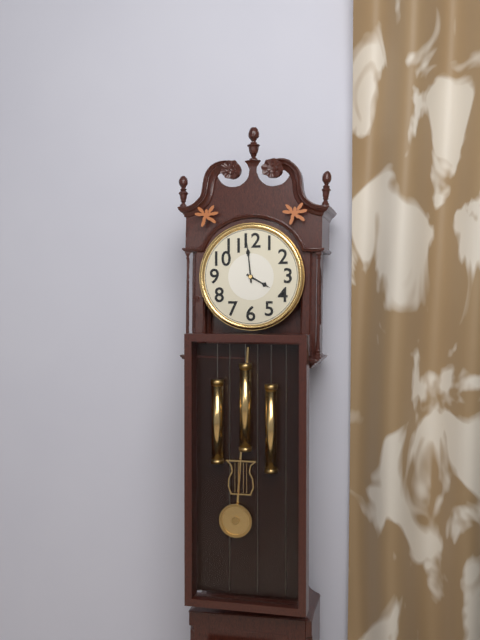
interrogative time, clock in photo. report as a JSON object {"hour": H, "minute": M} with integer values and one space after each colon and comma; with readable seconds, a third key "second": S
{"hour": 3, "minute": 59}
